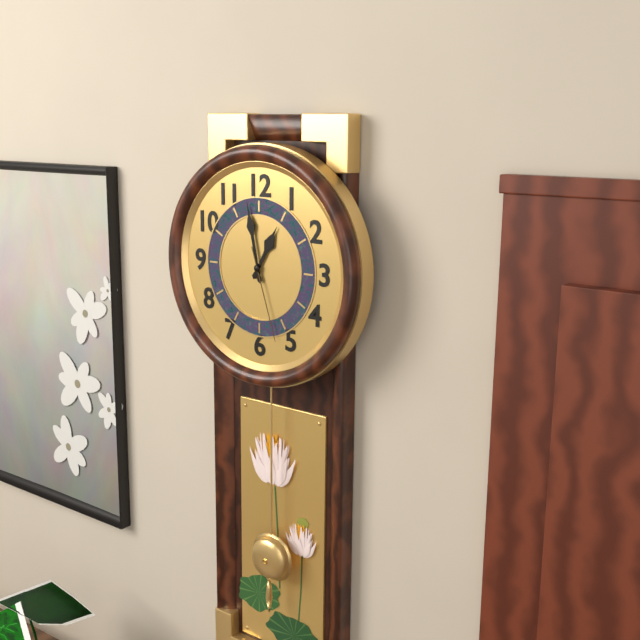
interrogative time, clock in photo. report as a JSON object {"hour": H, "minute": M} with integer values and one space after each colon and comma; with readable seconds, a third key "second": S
{"hour": 12, "minute": 58, "second": 27}
